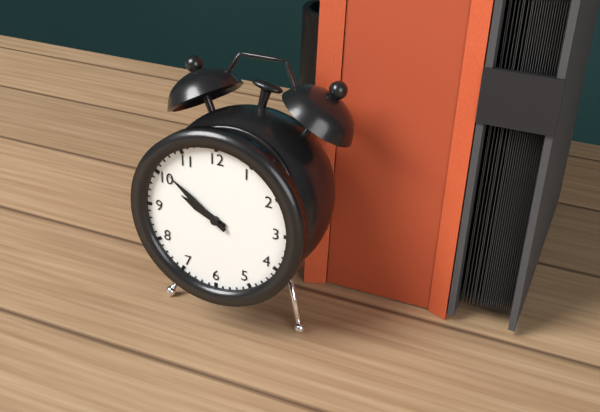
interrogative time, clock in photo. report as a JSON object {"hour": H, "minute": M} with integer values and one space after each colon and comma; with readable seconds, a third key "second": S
{"hour": 9, "minute": 51}
